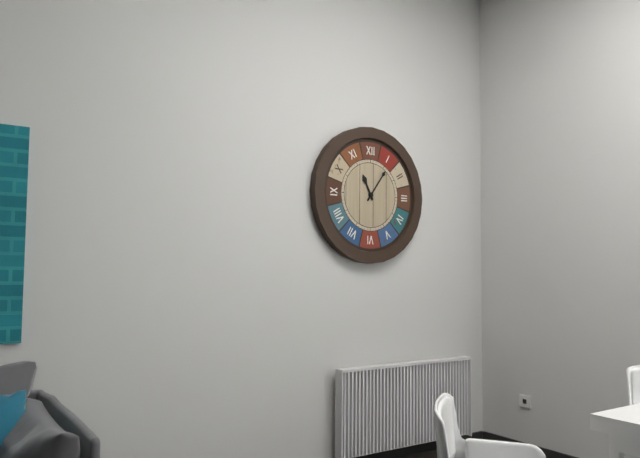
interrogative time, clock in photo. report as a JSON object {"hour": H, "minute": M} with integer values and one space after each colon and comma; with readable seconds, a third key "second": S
{"hour": 11, "minute": 6}
